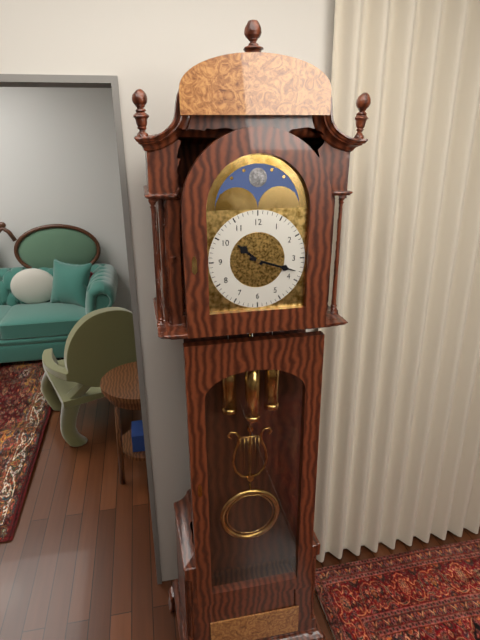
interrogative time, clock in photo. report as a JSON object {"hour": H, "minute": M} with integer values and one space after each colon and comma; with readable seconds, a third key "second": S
{"hour": 10, "minute": 18}
